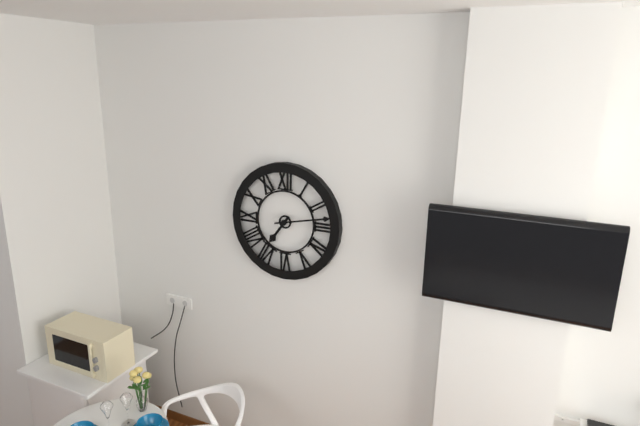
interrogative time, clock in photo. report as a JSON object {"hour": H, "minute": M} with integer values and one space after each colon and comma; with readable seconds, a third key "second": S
{"hour": 7, "minute": 13}
